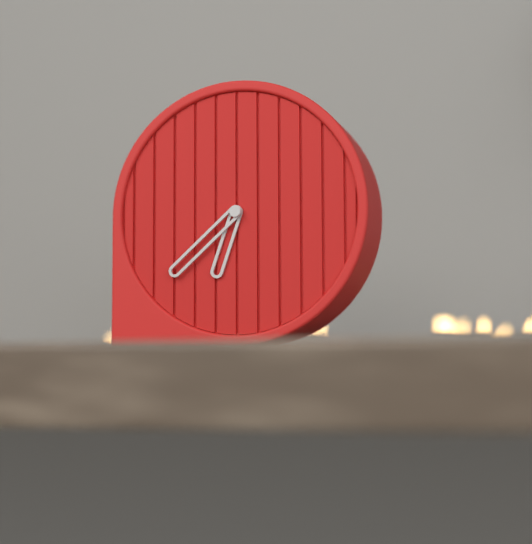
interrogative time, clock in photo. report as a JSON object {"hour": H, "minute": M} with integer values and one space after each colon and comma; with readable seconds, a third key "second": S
{"hour": 6, "minute": 38}
